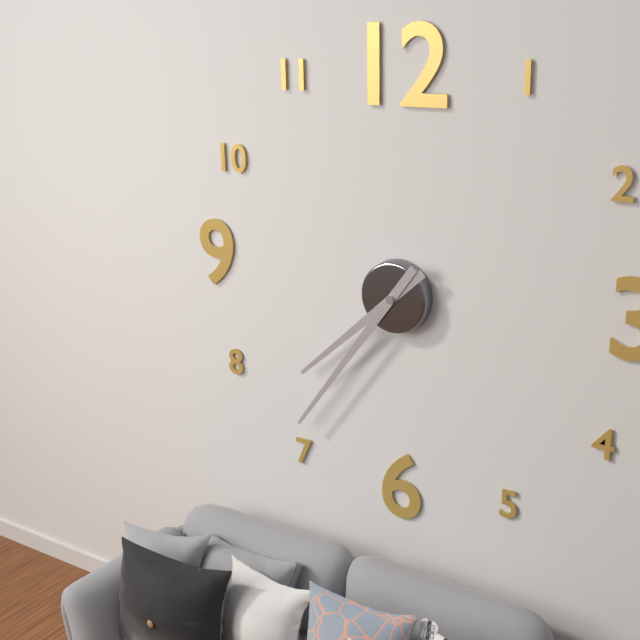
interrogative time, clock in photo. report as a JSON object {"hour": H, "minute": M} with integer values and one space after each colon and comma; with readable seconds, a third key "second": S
{"hour": 7, "minute": 36}
